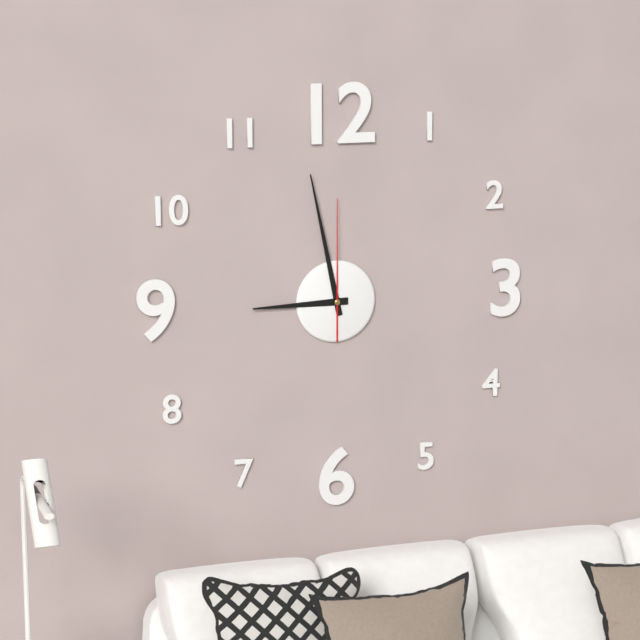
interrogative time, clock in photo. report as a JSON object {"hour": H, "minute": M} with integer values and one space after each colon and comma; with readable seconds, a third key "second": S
{"hour": 8, "minute": 58, "second": 0}
